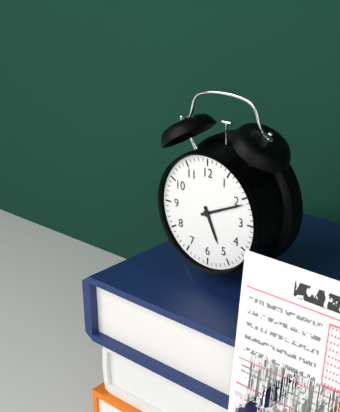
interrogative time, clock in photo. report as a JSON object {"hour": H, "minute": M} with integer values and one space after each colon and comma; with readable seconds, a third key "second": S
{"hour": 5, "minute": 11}
